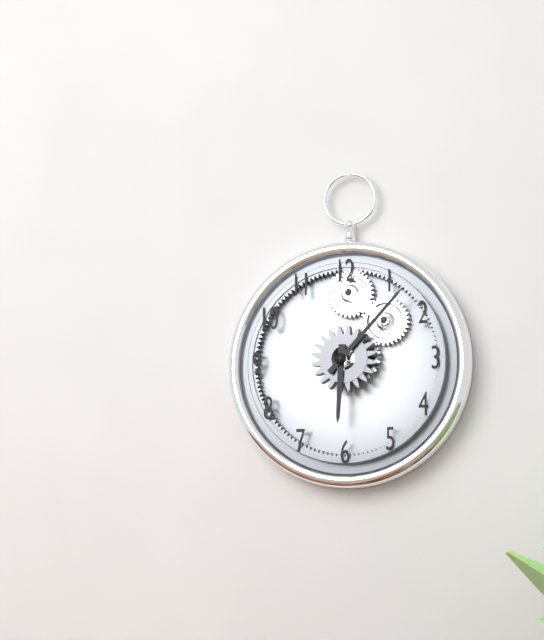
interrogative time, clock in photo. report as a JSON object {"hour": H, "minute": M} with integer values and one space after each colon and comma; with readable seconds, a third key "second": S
{"hour": 6, "minute": 7}
